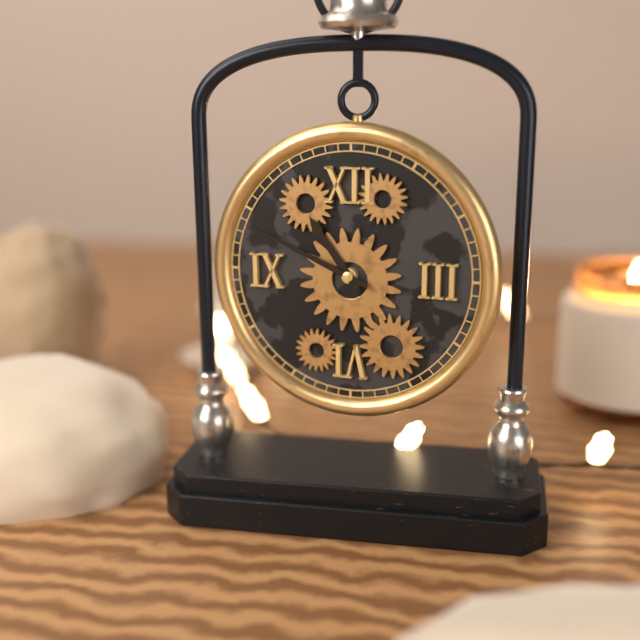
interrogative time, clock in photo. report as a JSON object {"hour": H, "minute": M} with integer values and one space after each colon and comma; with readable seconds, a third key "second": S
{"hour": 10, "minute": 49}
